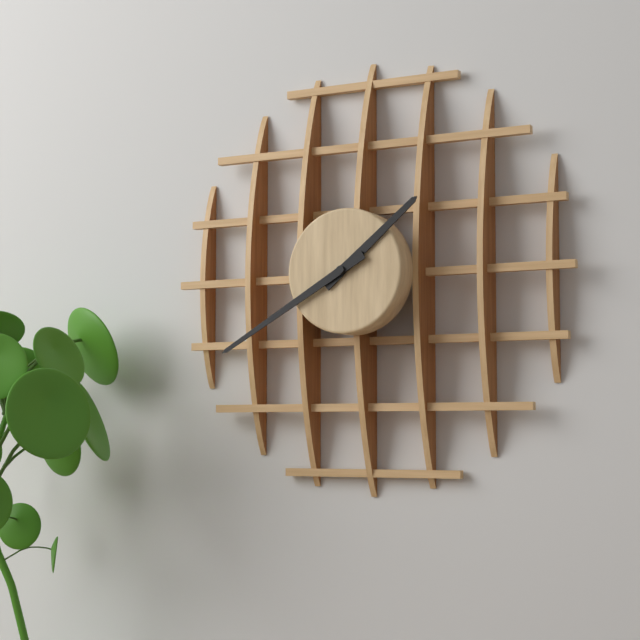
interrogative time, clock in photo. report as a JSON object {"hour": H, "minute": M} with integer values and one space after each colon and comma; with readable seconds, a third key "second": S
{"hour": 1, "minute": 40}
